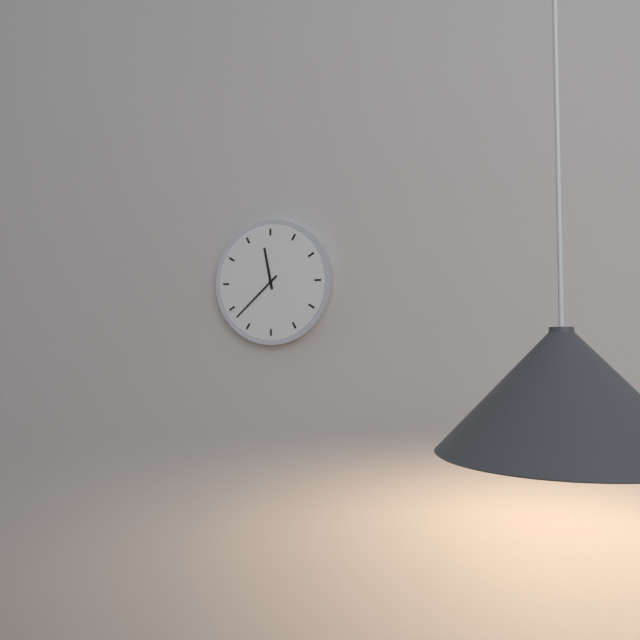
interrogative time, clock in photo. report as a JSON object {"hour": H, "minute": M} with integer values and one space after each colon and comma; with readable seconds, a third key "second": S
{"hour": 11, "minute": 38}
